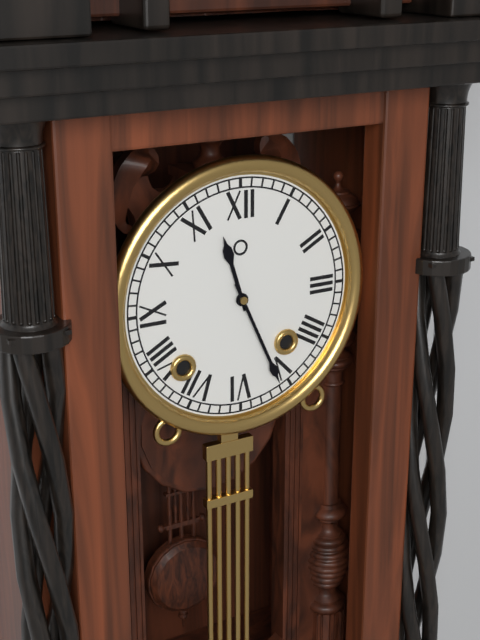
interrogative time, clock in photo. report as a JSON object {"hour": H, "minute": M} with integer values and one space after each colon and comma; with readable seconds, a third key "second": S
{"hour": 11, "minute": 26}
